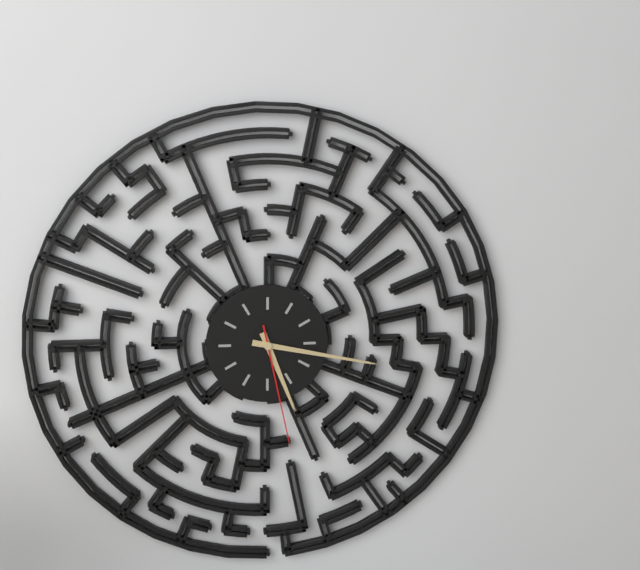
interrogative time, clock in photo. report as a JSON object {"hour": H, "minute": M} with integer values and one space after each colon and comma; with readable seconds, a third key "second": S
{"hour": 5, "minute": 17, "second": 28}
